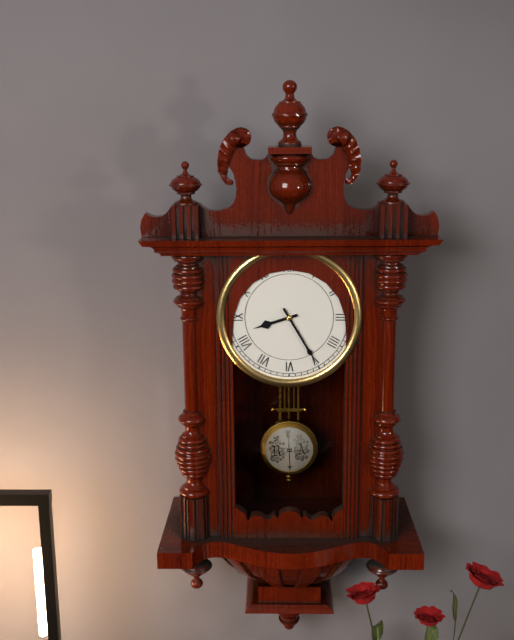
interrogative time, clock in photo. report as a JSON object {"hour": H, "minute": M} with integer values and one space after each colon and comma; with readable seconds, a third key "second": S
{"hour": 8, "minute": 25}
